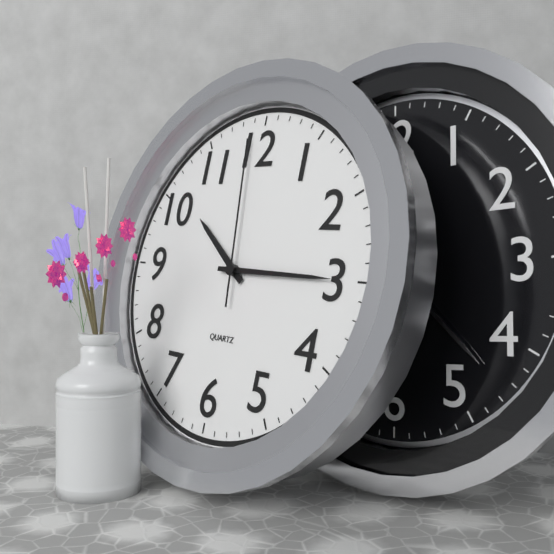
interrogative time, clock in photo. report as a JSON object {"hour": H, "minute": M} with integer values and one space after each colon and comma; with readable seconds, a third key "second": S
{"hour": 10, "minute": 15, "second": 59}
